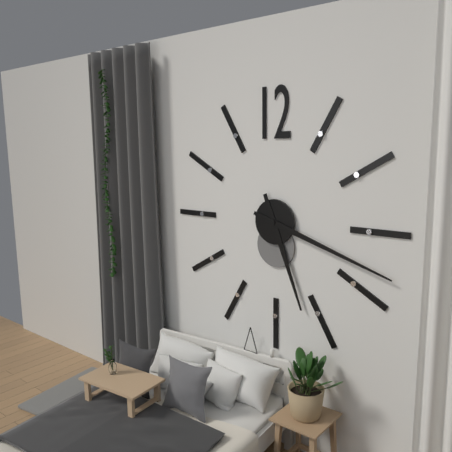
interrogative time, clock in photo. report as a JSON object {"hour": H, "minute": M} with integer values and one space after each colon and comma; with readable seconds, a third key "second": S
{"hour": 5, "minute": 18}
